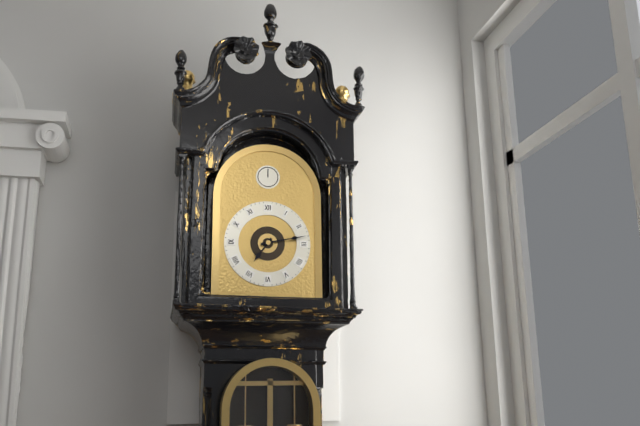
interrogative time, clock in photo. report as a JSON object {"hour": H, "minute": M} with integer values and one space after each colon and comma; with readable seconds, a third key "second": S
{"hour": 7, "minute": 13}
